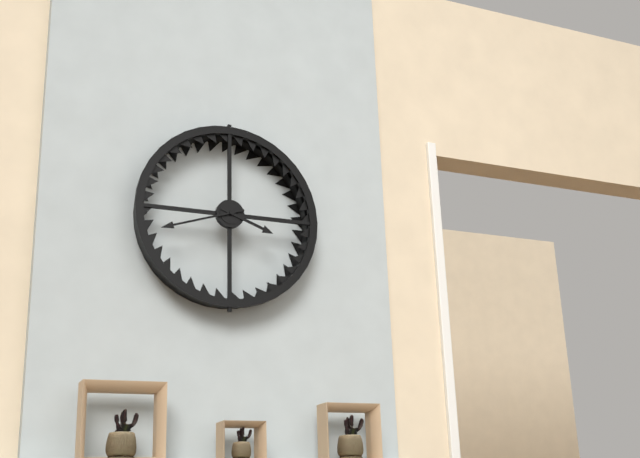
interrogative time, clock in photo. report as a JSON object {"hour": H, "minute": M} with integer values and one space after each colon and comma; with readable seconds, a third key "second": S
{"hour": 3, "minute": 42}
